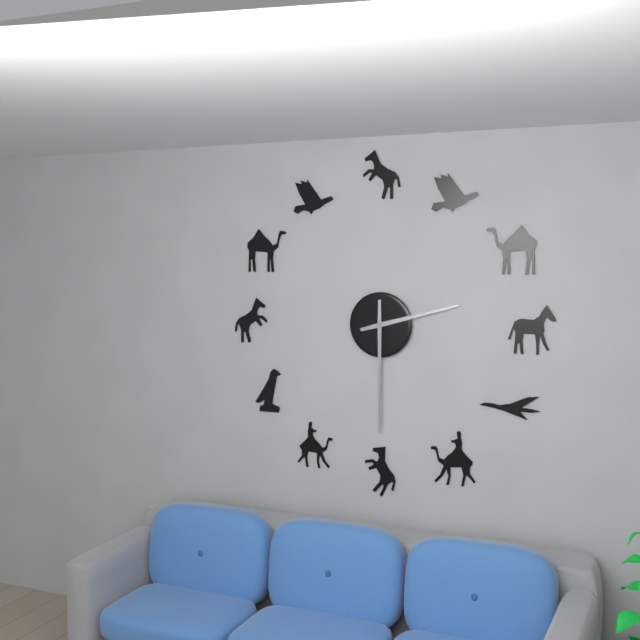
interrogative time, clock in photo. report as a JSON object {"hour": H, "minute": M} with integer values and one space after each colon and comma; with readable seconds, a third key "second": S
{"hour": 2, "minute": 30}
